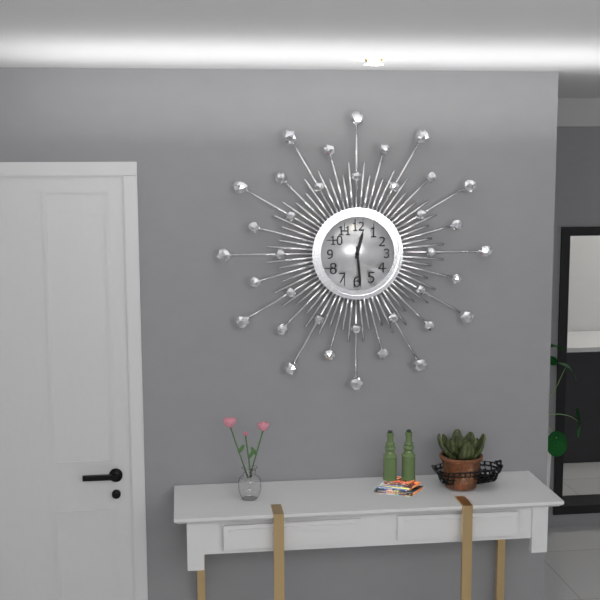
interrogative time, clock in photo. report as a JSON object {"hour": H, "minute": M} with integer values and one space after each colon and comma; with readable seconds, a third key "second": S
{"hour": 12, "minute": 29}
